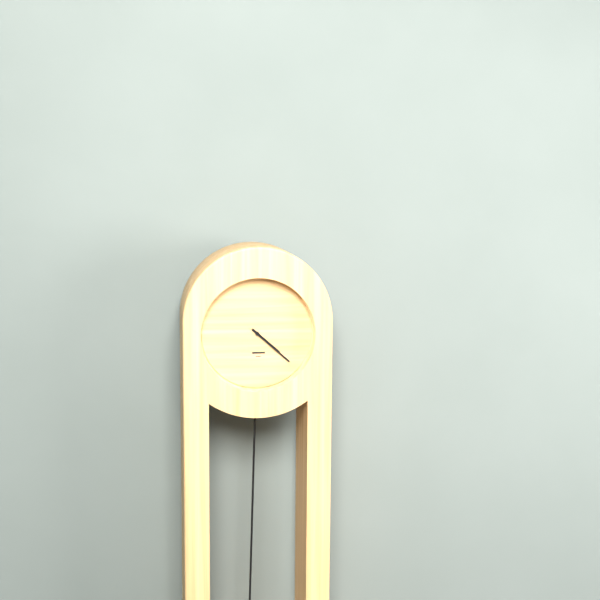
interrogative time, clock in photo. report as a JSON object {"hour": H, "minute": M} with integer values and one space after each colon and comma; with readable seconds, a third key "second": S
{"hour": 4, "minute": 22}
